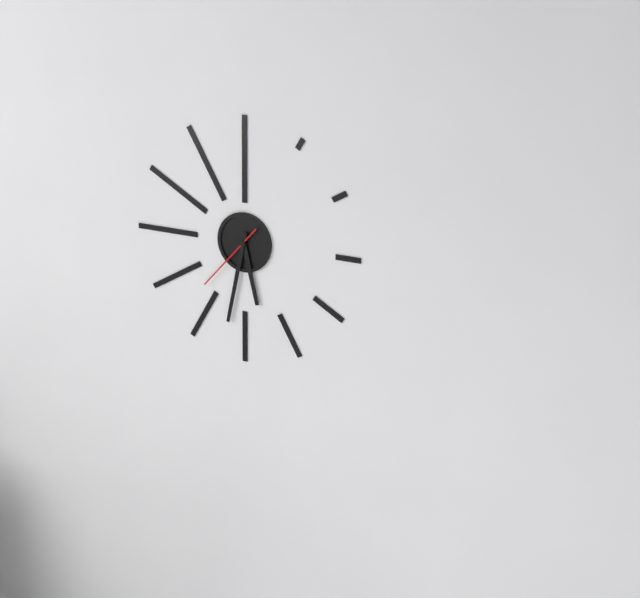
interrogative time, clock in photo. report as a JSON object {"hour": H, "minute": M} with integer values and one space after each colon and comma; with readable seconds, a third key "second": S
{"hour": 5, "minute": 32, "second": 37}
